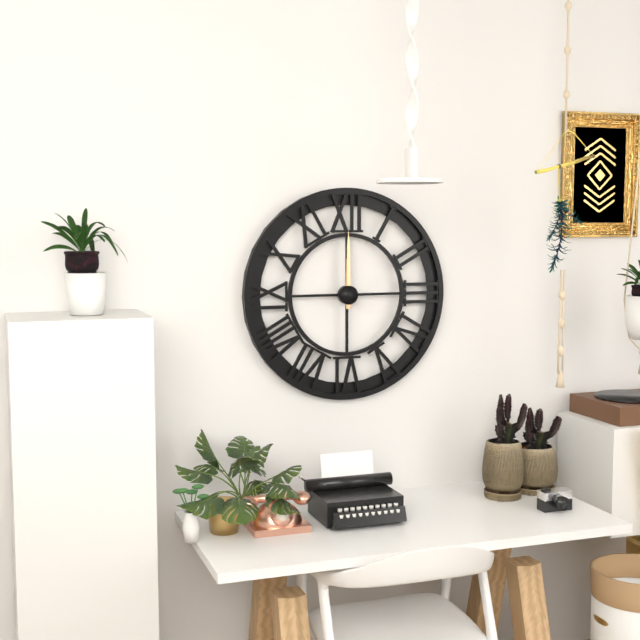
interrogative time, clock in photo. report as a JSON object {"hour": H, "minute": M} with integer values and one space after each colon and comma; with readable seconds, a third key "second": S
{"hour": 12, "minute": 0}
